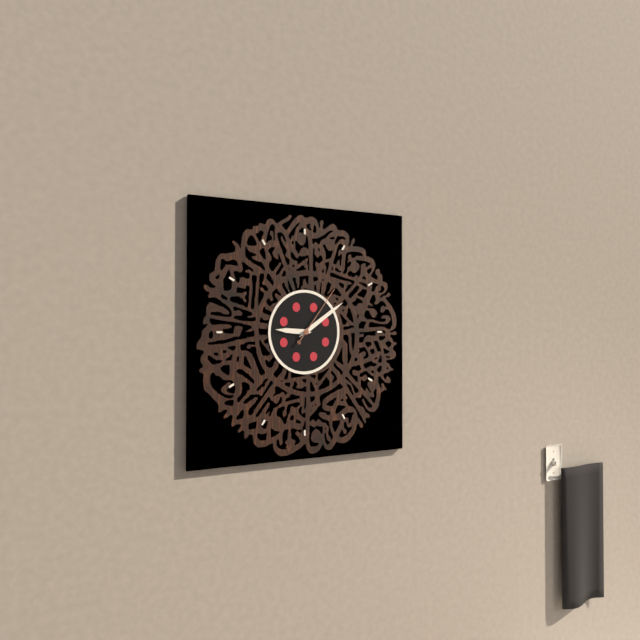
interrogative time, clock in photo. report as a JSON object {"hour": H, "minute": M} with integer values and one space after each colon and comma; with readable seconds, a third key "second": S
{"hour": 9, "minute": 9, "second": 6}
